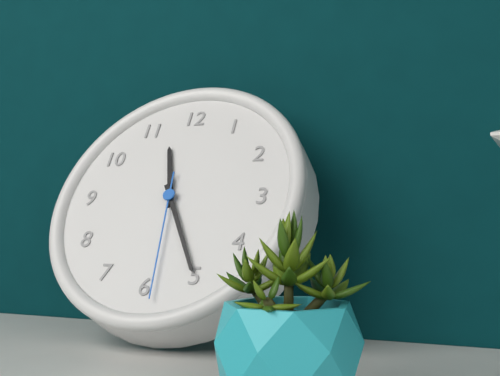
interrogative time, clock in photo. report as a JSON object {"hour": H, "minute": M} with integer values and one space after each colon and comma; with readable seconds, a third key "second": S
{"hour": 11, "minute": 25, "second": 29}
